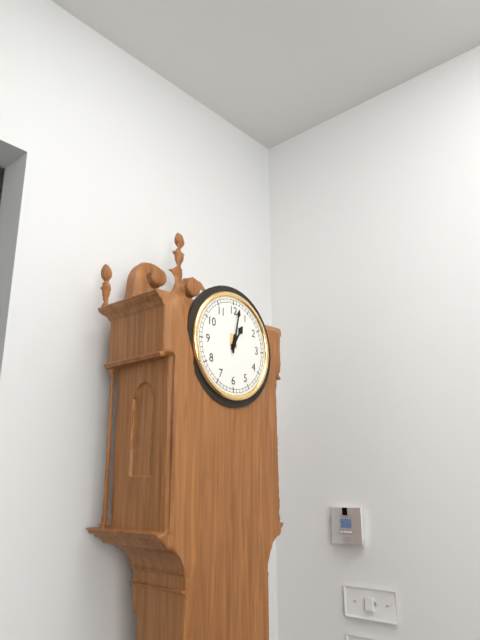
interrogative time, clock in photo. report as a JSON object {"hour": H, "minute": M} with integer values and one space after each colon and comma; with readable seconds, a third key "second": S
{"hour": 1, "minute": 2}
